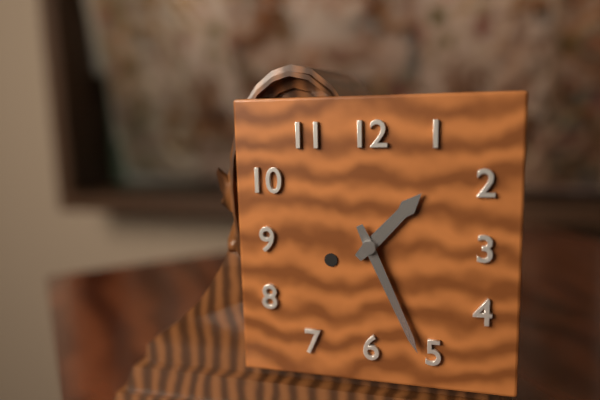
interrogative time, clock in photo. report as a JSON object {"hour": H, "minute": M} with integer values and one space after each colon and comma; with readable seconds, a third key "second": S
{"hour": 1, "minute": 26}
